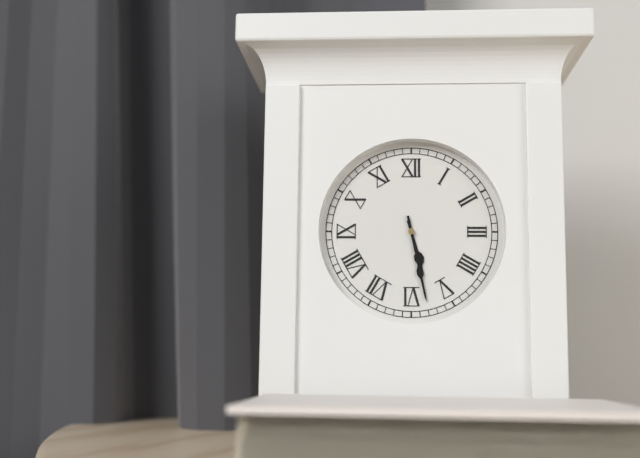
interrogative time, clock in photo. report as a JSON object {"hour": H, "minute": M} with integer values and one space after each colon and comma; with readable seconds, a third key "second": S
{"hour": 5, "minute": 28}
